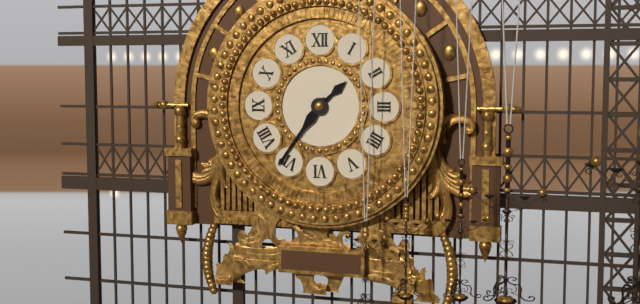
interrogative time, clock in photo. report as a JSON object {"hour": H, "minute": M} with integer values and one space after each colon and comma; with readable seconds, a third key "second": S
{"hour": 1, "minute": 36}
